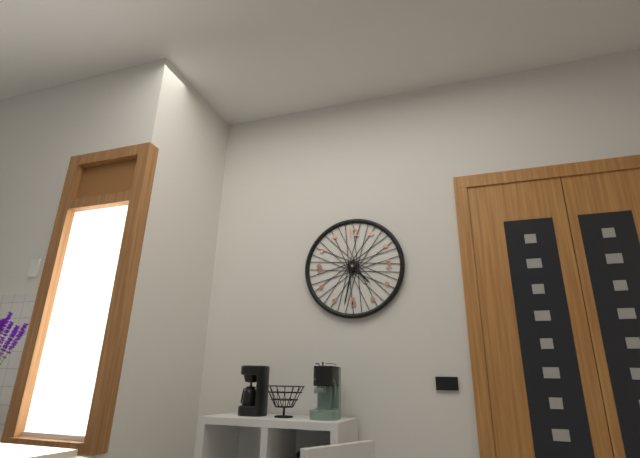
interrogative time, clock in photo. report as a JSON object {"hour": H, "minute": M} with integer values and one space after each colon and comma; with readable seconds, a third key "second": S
{"hour": 4, "minute": 32}
